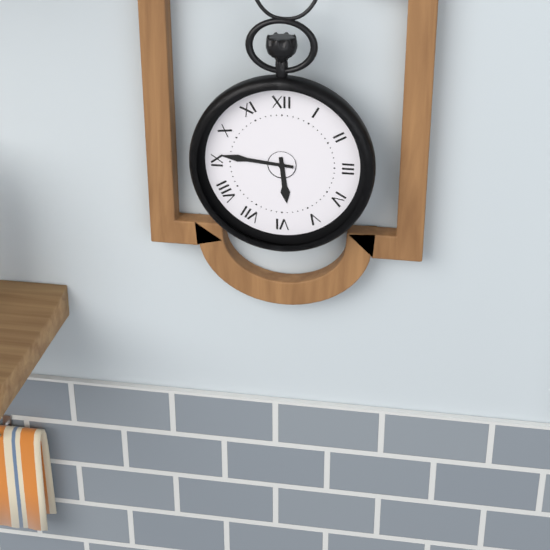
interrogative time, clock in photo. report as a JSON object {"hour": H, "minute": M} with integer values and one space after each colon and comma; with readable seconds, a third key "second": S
{"hour": 5, "minute": 46}
